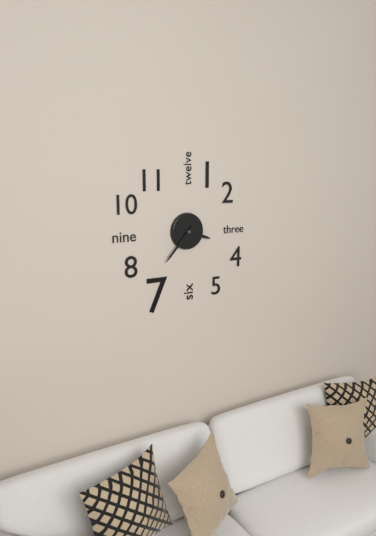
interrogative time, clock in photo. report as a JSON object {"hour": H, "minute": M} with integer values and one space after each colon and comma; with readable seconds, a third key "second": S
{"hour": 3, "minute": 37}
